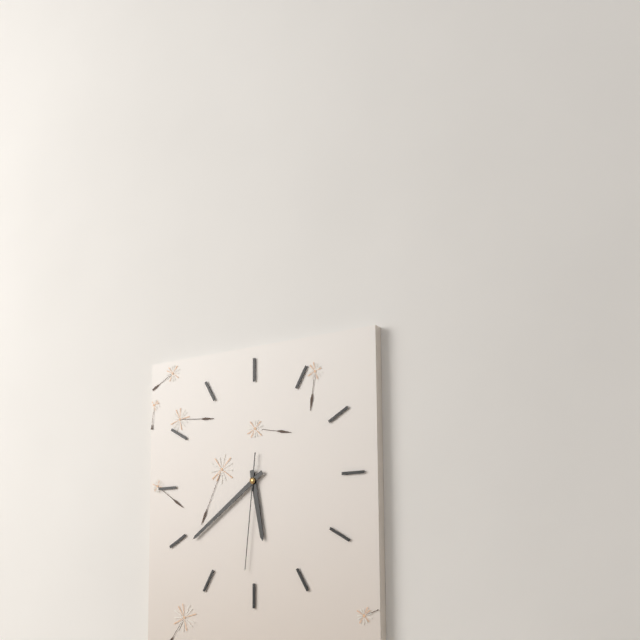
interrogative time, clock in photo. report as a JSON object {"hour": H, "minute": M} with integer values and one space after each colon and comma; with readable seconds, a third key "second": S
{"hour": 5, "minute": 39, "second": 31}
